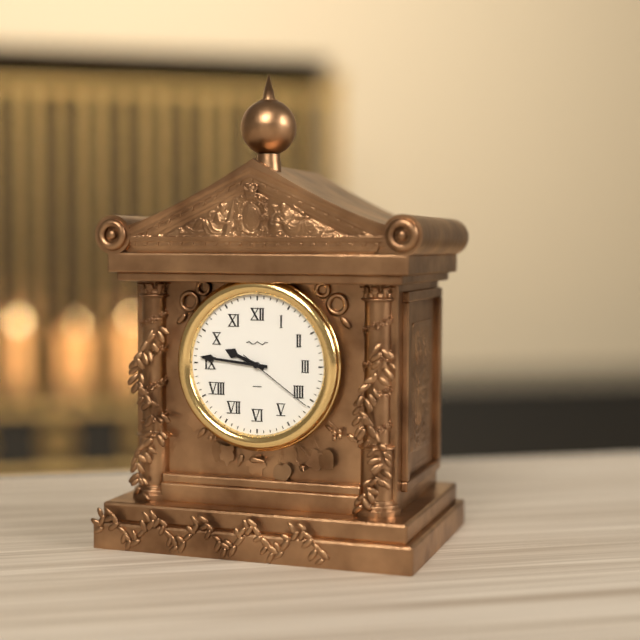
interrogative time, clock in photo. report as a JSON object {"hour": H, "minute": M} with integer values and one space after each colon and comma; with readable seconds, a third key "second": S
{"hour": 9, "minute": 46, "second": 21}
